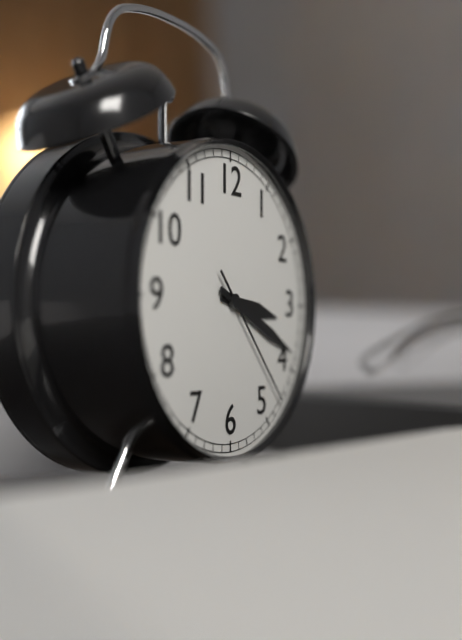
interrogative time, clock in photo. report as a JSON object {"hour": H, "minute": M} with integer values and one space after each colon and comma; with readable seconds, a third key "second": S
{"hour": 3, "minute": 19, "second": 23}
